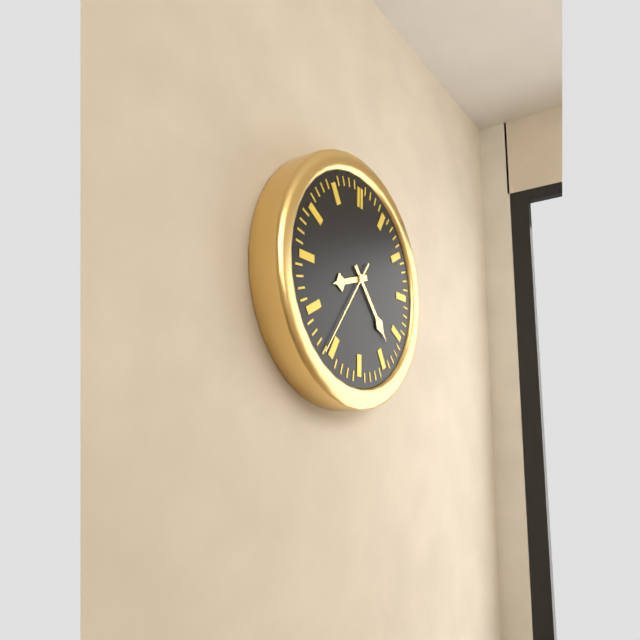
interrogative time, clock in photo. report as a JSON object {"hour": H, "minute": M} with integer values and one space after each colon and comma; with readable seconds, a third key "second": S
{"hour": 8, "minute": 23, "second": 36}
